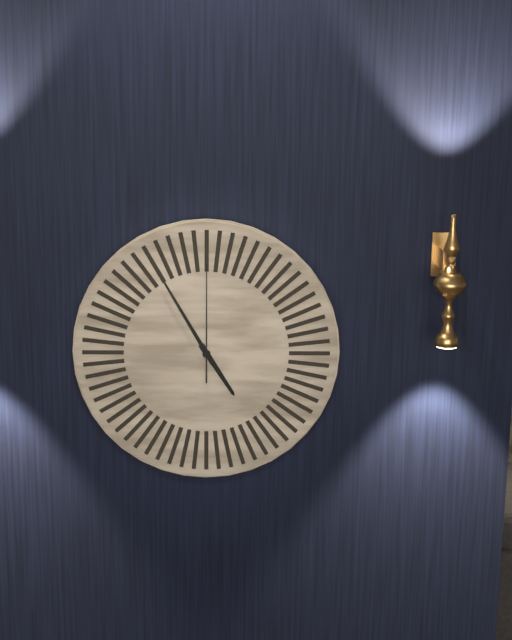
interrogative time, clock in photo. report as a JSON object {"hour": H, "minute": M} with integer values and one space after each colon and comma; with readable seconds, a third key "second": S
{"hour": 4, "minute": 55, "second": 0}
